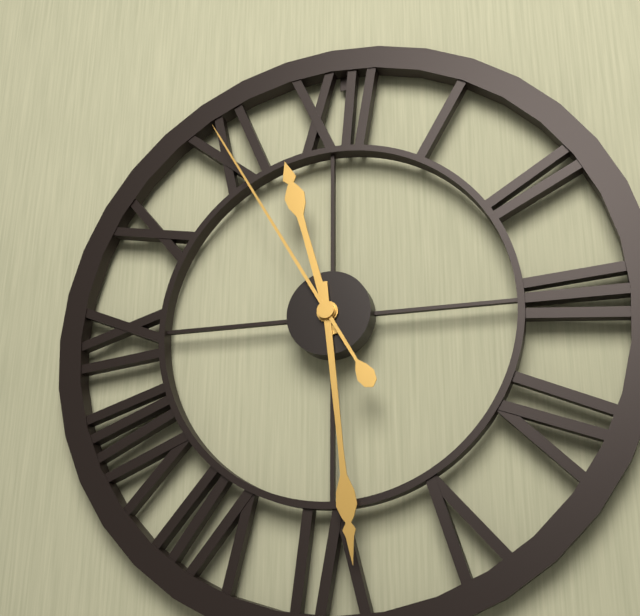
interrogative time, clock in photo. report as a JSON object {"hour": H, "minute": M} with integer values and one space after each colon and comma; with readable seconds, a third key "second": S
{"hour": 11, "minute": 29, "second": 55}
